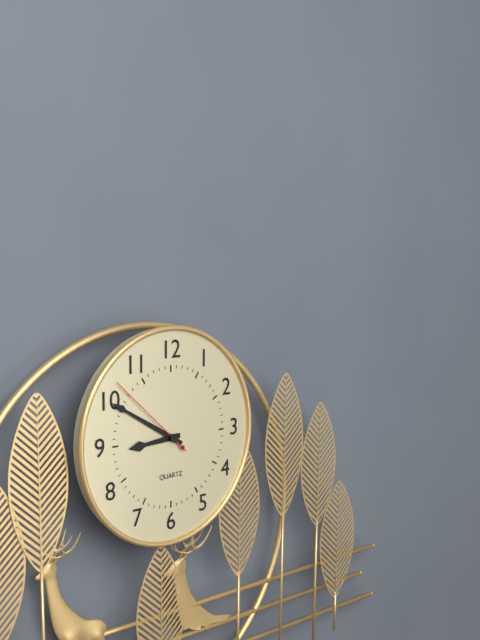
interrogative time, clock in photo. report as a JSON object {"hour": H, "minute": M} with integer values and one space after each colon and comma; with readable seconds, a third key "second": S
{"hour": 8, "minute": 50, "second": 52}
